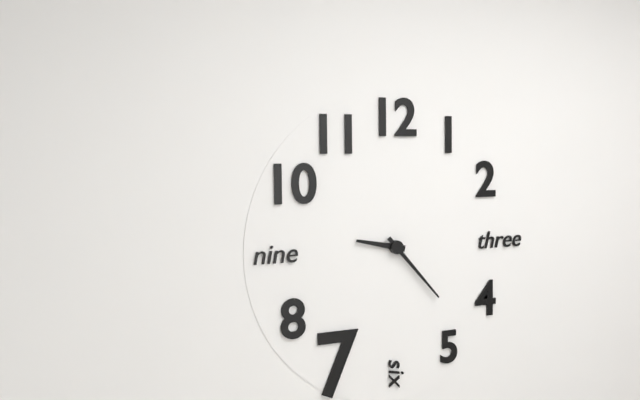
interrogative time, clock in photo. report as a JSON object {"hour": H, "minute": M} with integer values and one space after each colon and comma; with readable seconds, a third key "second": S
{"hour": 9, "minute": 23}
